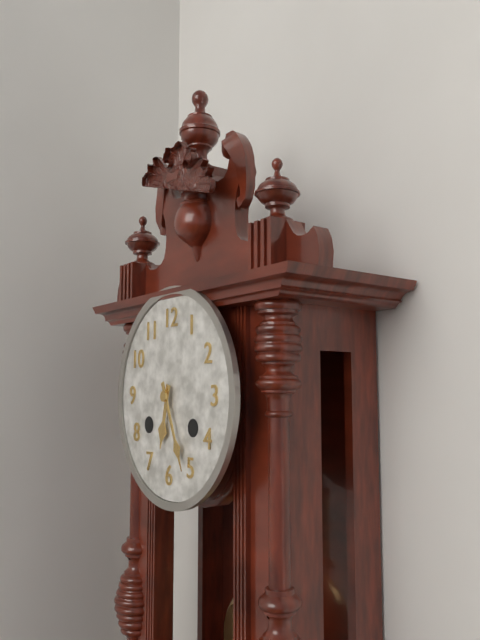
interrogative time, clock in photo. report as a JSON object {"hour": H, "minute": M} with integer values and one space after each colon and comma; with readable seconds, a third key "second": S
{"hour": 6, "minute": 26}
